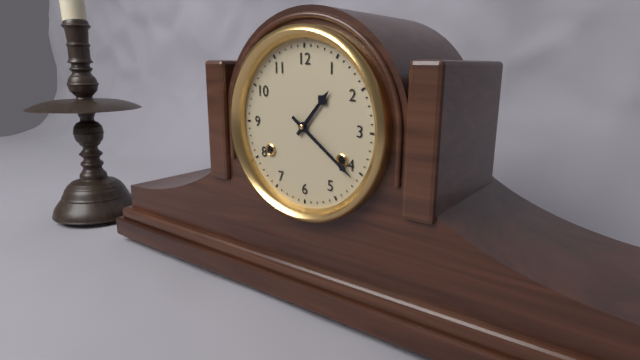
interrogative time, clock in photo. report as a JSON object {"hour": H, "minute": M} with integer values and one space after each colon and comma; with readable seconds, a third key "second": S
{"hour": 1, "minute": 21}
